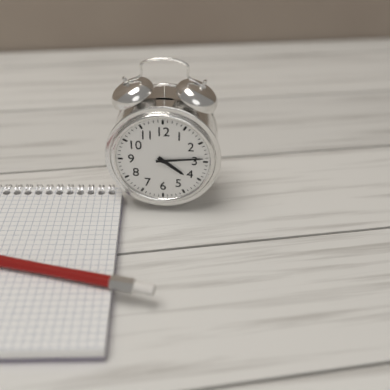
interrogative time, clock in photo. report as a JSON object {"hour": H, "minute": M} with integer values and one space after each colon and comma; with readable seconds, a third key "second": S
{"hour": 4, "minute": 14}
